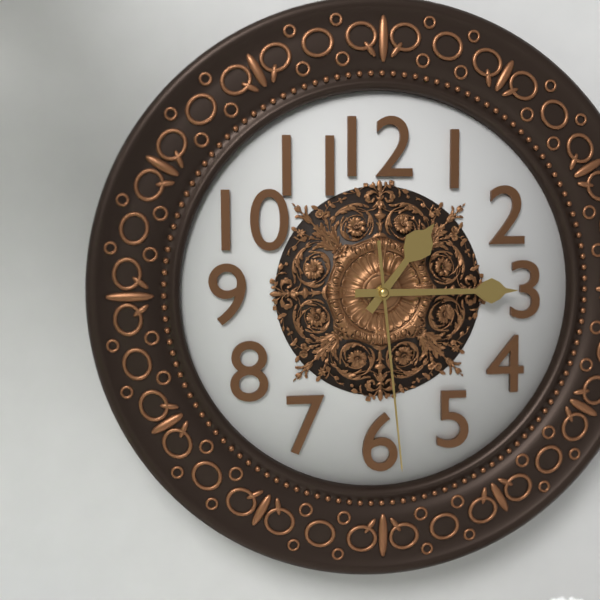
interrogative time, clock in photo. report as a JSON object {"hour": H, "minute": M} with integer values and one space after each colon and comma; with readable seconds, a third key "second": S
{"hour": 1, "minute": 15, "second": 29}
